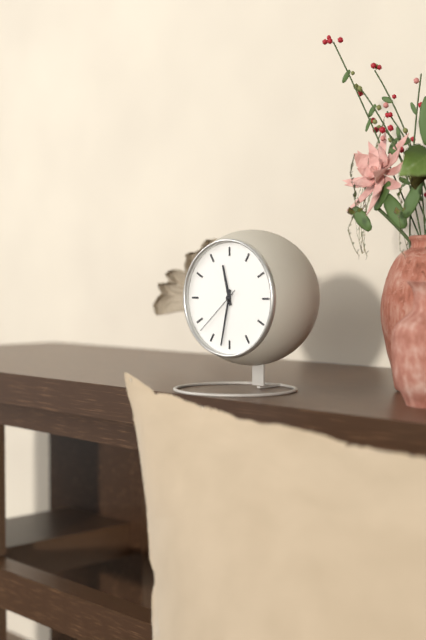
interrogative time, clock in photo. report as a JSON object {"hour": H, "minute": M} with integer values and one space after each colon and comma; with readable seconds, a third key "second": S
{"hour": 11, "minute": 32, "second": 38}
